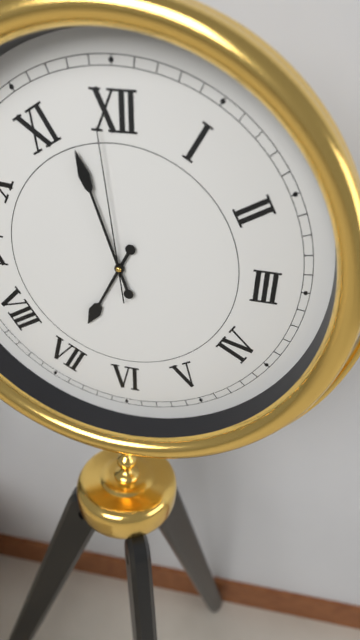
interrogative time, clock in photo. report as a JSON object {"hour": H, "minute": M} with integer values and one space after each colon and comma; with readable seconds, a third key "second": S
{"hour": 6, "minute": 57, "second": 59}
